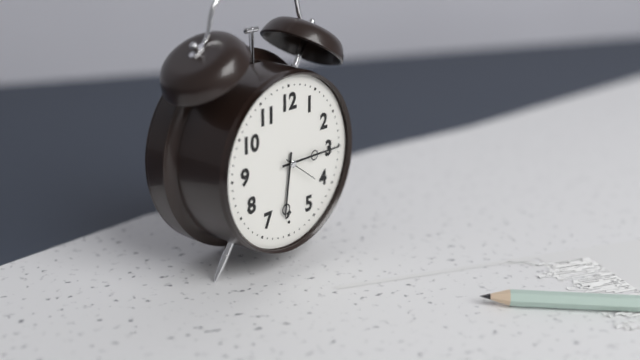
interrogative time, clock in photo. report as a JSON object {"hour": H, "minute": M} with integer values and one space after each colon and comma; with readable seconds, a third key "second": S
{"hour": 6, "minute": 15}
